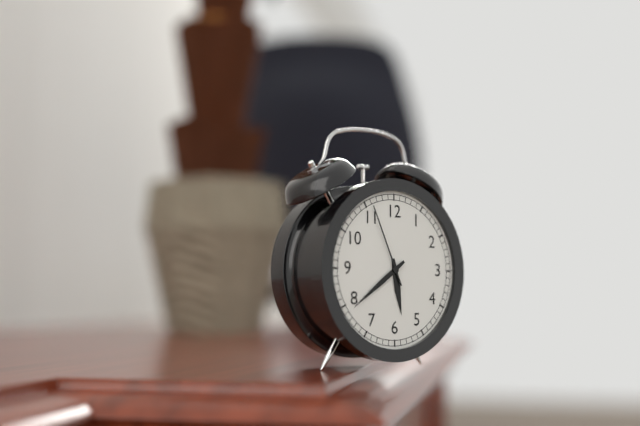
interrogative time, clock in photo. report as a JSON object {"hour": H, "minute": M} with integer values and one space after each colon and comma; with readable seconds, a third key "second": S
{"hour": 5, "minute": 39, "second": 56}
